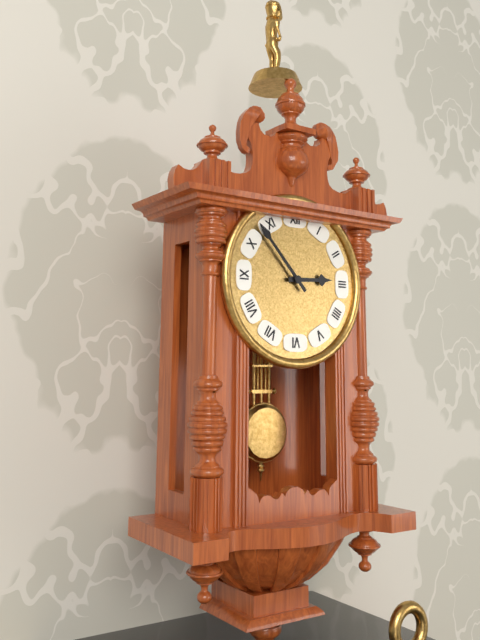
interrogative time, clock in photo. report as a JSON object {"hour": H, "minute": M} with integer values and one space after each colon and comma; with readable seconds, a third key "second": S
{"hour": 2, "minute": 53}
